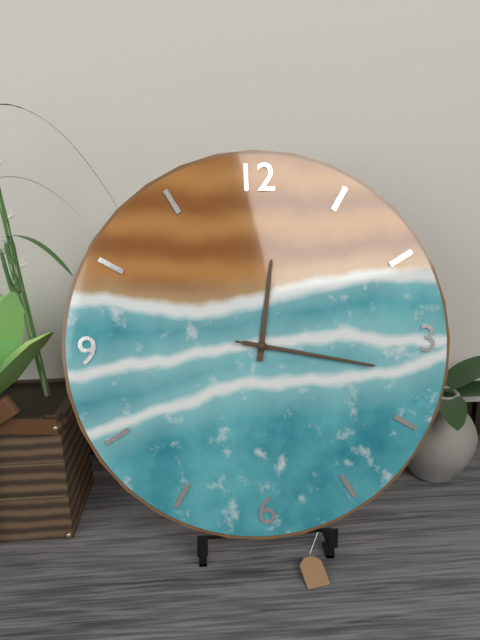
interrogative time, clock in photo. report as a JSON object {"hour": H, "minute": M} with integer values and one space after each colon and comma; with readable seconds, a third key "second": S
{"hour": 12, "minute": 17, "second": 17}
